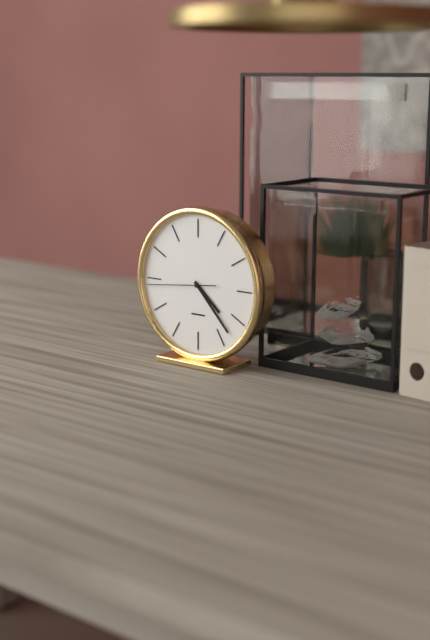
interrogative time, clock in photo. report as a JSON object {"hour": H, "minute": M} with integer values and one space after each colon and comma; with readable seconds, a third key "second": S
{"hour": 4, "minute": 23, "second": 44}
